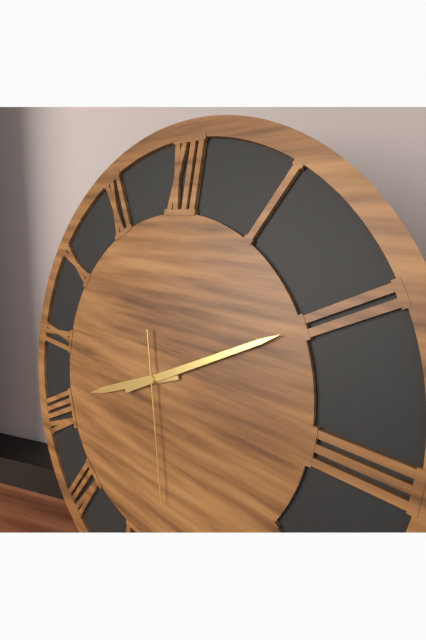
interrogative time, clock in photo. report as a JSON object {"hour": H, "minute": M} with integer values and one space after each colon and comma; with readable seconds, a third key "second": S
{"hour": 8, "minute": 10, "second": 27}
